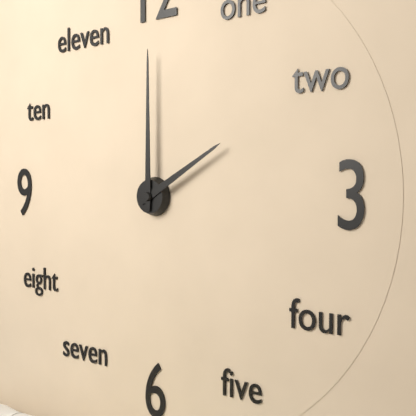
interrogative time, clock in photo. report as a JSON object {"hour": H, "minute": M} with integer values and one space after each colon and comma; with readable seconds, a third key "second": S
{"hour": 2, "minute": 0}
